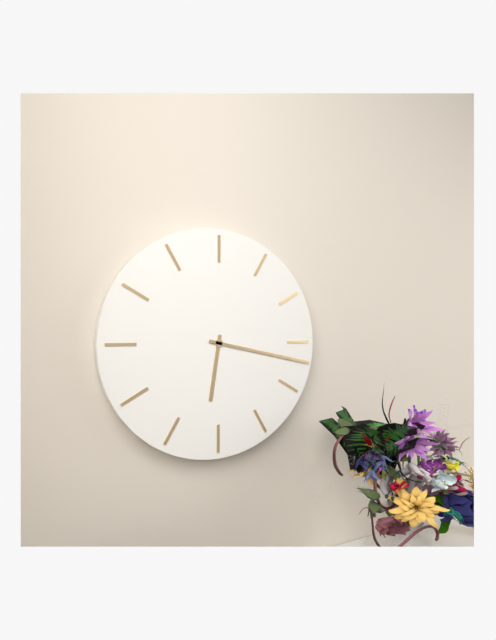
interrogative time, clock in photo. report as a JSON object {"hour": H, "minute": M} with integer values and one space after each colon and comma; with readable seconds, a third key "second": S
{"hour": 6, "minute": 17}
